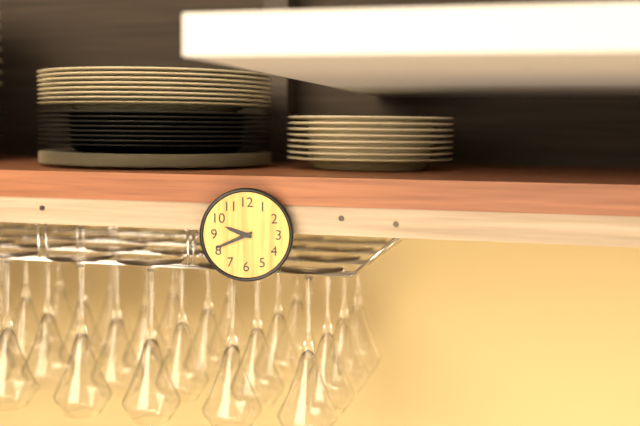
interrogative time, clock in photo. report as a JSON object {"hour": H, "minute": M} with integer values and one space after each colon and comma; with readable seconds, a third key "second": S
{"hour": 9, "minute": 41}
